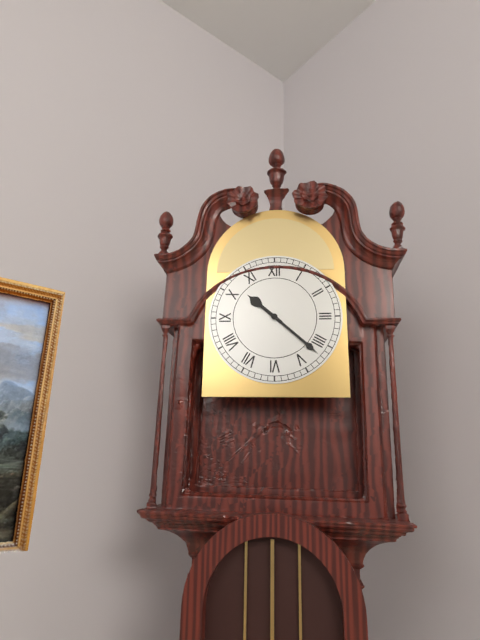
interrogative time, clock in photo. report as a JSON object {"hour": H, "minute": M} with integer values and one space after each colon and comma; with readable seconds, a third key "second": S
{"hour": 10, "minute": 22}
